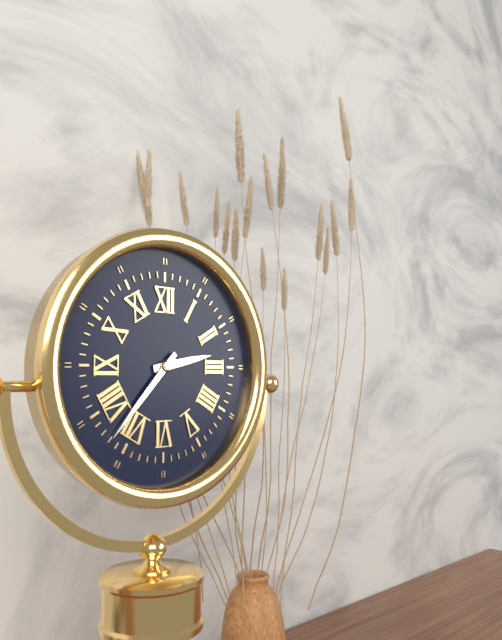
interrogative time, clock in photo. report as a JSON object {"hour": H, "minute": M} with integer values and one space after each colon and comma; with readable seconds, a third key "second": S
{"hour": 2, "minute": 37}
